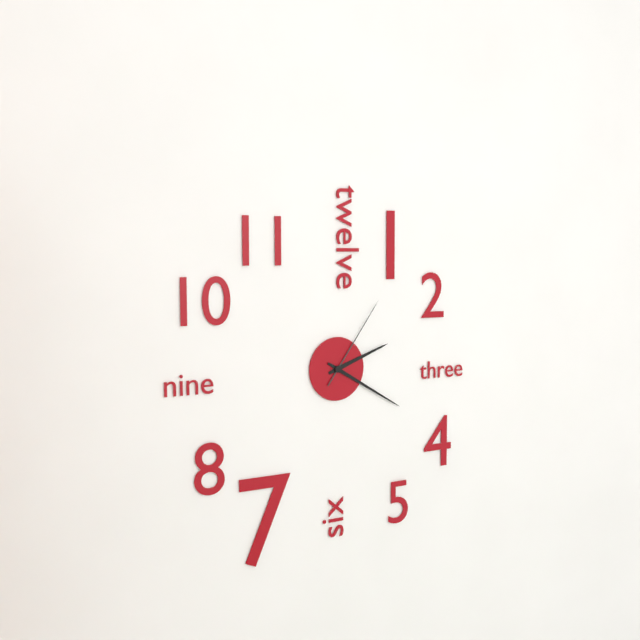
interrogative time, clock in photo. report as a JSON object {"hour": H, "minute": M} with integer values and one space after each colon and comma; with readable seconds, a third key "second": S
{"hour": 2, "minute": 20, "second": 6}
